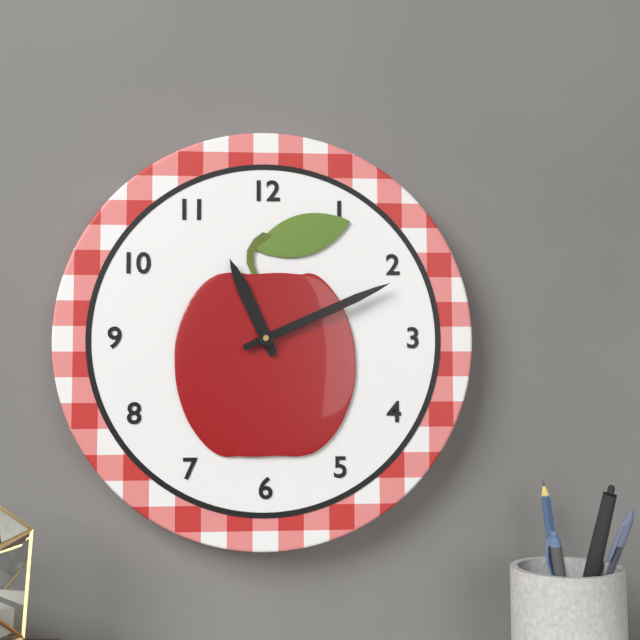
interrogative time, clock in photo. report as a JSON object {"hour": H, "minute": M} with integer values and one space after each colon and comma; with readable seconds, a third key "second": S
{"hour": 11, "minute": 11}
